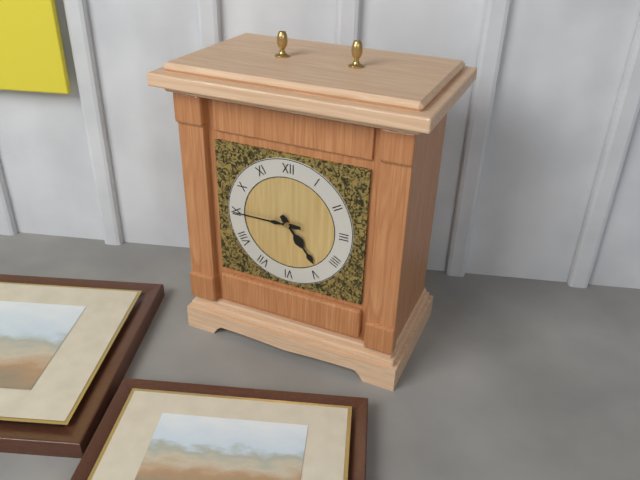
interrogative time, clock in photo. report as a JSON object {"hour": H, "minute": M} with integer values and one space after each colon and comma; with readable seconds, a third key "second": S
{"hour": 4, "minute": 45}
